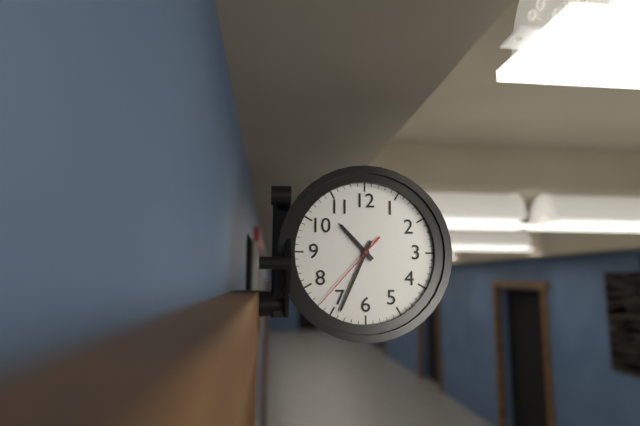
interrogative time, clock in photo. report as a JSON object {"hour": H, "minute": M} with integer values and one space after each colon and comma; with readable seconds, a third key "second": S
{"hour": 10, "minute": 34, "second": 37}
